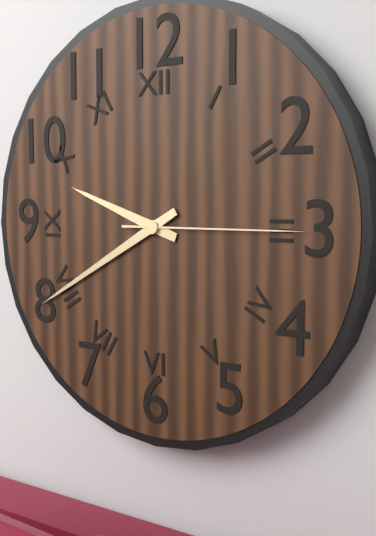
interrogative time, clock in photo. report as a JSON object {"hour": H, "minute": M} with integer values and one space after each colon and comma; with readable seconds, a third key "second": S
{"hour": 9, "minute": 40, "second": 15}
